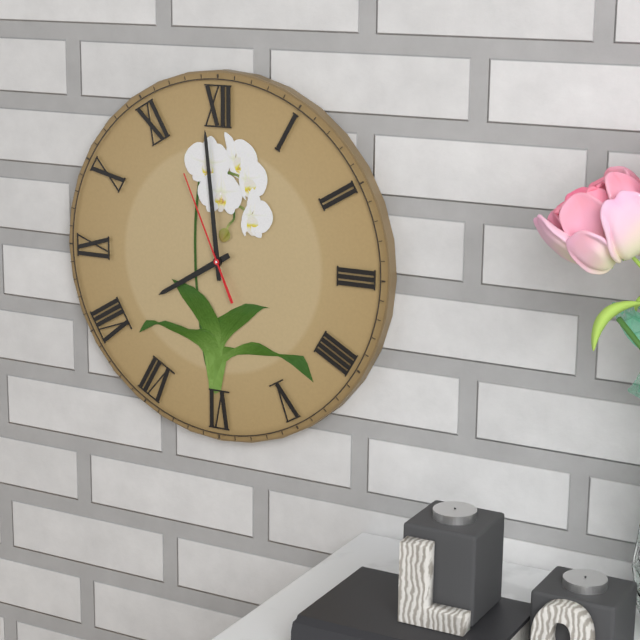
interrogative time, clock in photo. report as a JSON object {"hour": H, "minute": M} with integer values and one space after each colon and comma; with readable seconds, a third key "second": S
{"hour": 7, "minute": 59, "second": 56}
